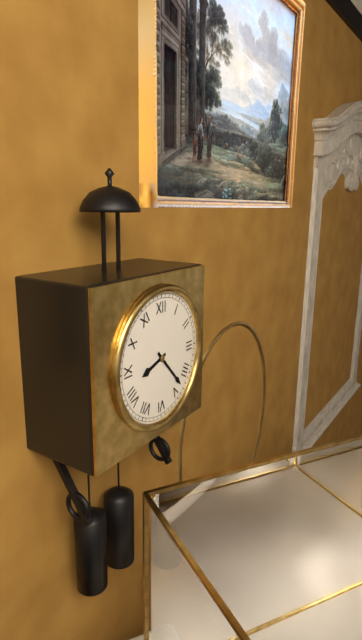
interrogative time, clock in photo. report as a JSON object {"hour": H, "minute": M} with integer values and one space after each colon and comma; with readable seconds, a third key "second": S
{"hour": 8, "minute": 23}
